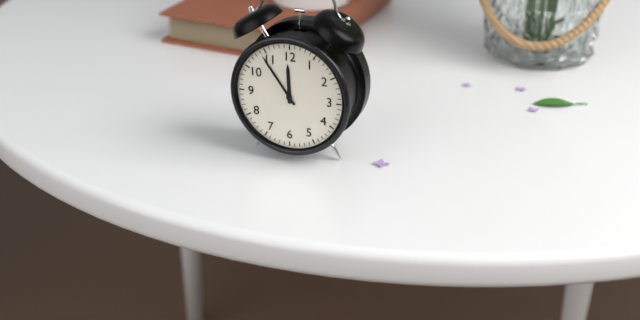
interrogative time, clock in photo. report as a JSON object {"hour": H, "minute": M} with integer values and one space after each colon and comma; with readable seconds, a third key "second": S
{"hour": 11, "minute": 54}
